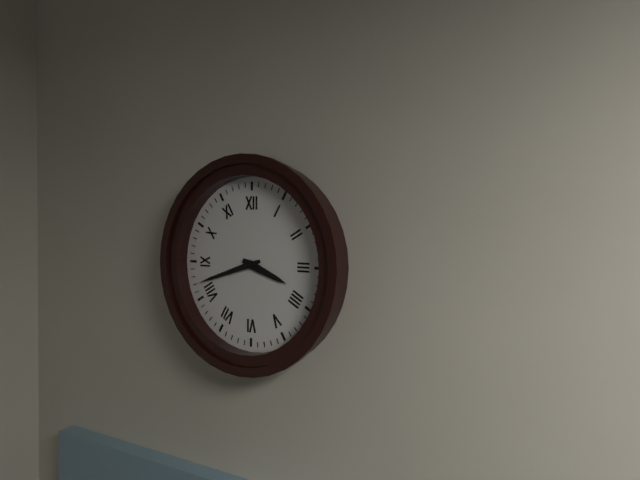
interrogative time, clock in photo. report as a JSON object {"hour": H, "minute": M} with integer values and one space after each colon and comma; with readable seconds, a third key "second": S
{"hour": 3, "minute": 42}
